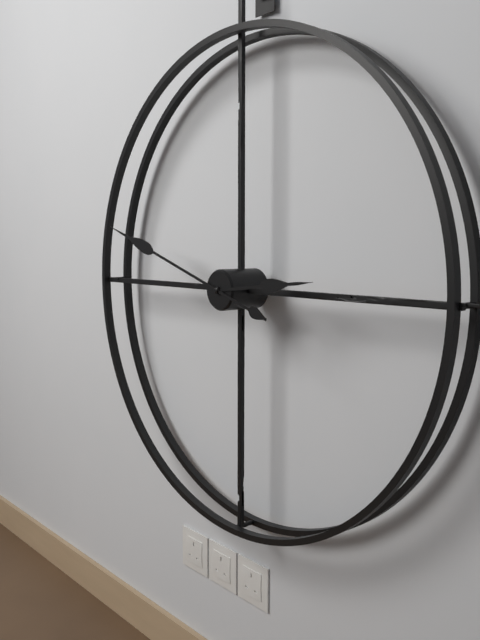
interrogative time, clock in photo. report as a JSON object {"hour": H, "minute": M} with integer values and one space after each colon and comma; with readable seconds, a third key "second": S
{"hour": 2, "minute": 48}
